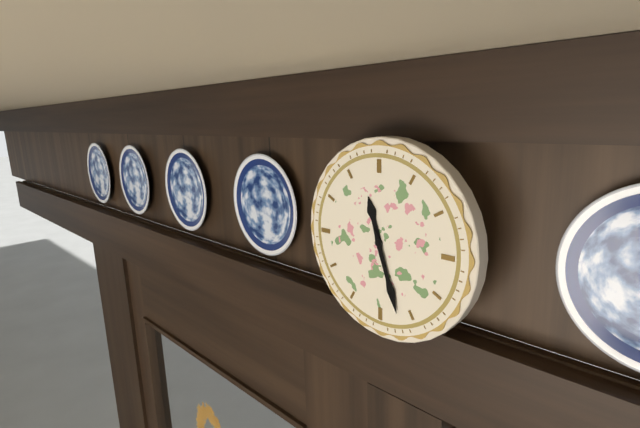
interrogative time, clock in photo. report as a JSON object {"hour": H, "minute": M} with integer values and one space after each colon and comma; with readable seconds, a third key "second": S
{"hour": 11, "minute": 27}
